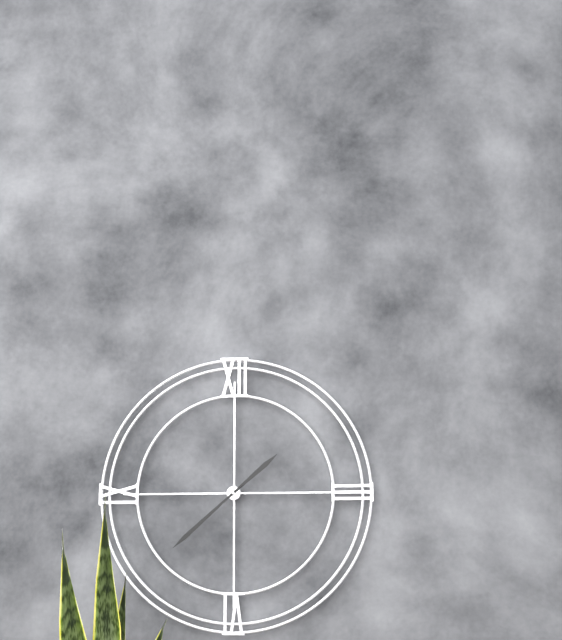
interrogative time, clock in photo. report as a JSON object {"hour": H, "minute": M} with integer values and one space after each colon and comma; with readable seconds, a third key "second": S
{"hour": 1, "minute": 38}
